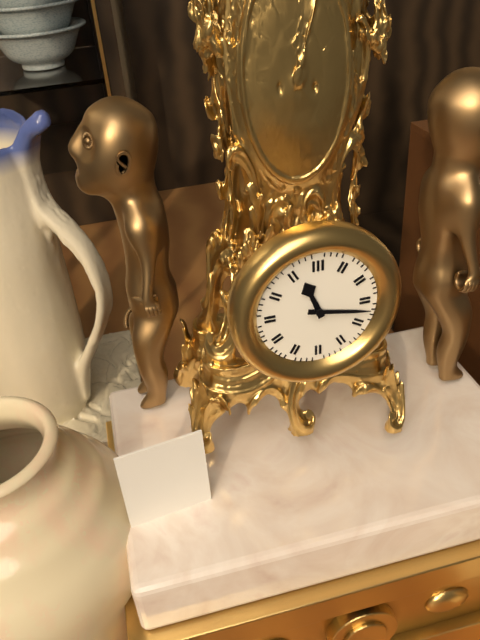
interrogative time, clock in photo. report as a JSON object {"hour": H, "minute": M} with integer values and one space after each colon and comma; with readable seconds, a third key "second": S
{"hour": 11, "minute": 17}
